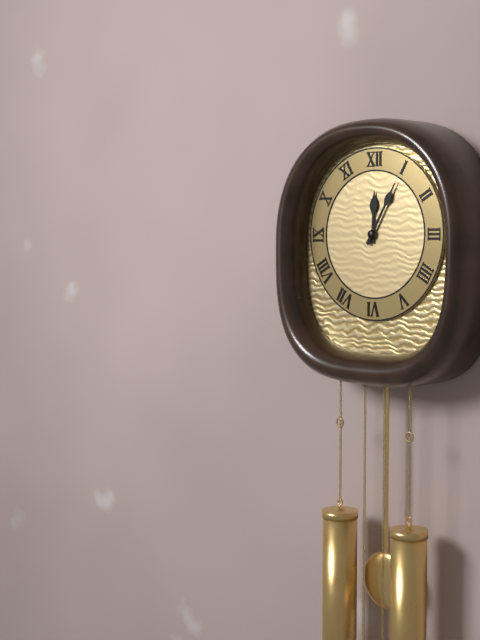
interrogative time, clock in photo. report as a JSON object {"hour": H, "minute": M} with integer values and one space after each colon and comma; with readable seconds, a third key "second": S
{"hour": 12, "minute": 5}
